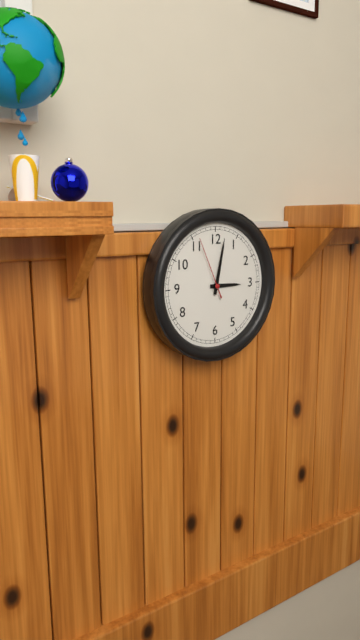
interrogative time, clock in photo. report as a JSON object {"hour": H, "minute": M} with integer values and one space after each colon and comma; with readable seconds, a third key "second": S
{"hour": 3, "minute": 2, "second": 56}
